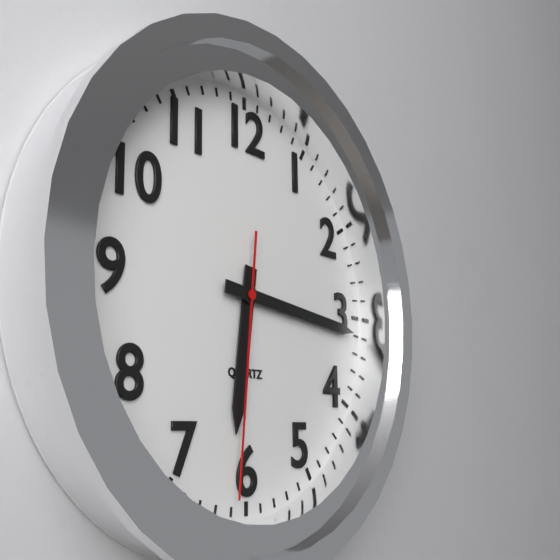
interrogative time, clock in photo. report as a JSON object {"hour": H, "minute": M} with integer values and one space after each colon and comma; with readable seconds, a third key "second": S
{"hour": 6, "minute": 16, "second": 31}
